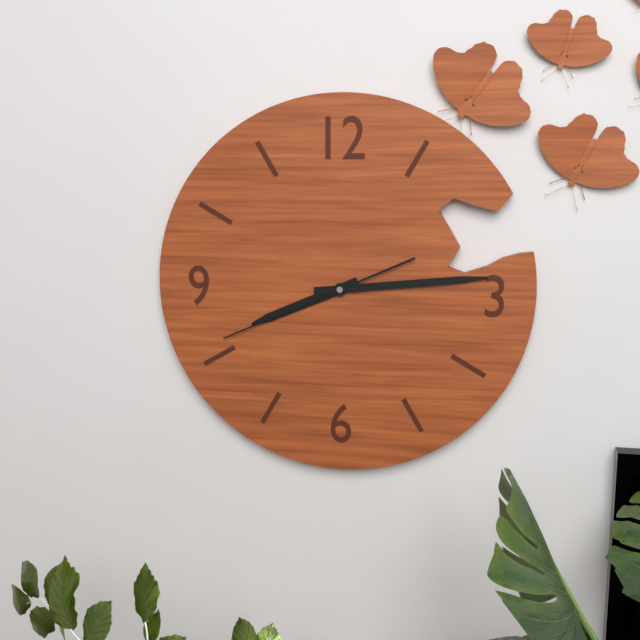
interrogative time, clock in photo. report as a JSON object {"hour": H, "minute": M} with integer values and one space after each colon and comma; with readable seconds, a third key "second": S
{"hour": 8, "minute": 14, "second": 41}
